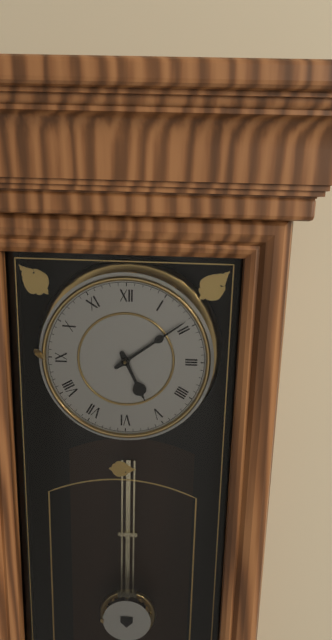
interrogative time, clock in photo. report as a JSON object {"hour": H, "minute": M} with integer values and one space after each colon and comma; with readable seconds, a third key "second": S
{"hour": 5, "minute": 9}
